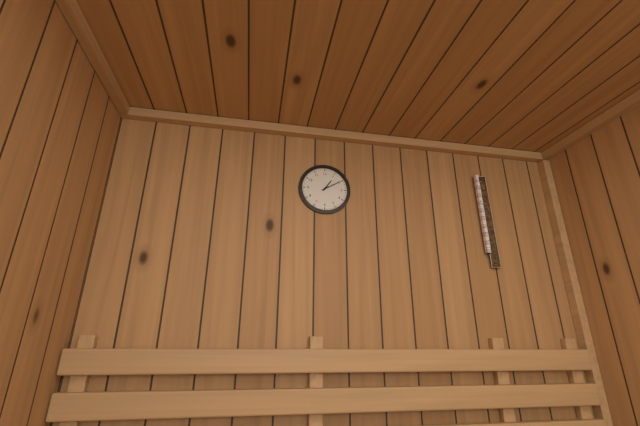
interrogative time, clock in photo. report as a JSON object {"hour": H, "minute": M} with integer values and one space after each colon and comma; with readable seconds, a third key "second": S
{"hour": 1, "minute": 10}
